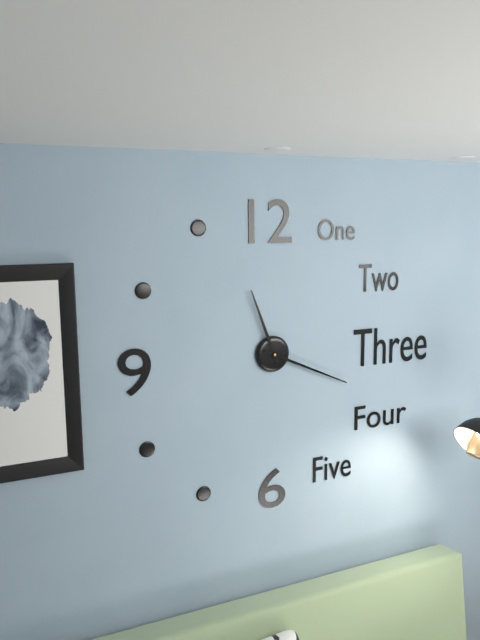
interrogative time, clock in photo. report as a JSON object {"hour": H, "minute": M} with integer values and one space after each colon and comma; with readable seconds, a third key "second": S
{"hour": 11, "minute": 19}
